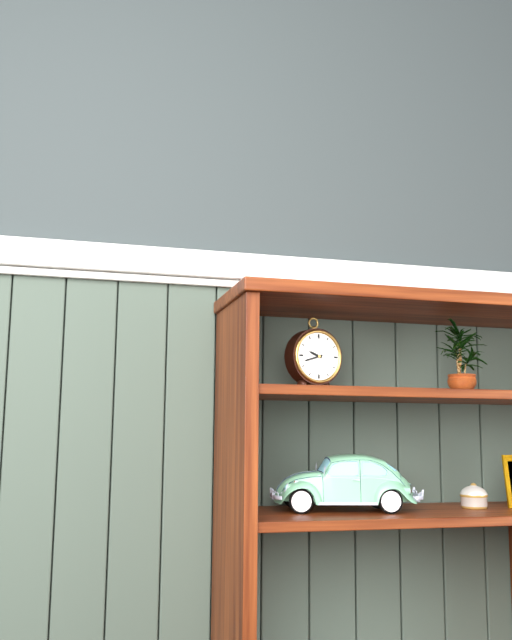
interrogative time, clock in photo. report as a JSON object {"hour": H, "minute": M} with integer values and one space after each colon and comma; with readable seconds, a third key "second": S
{"hour": 9, "minute": 42}
